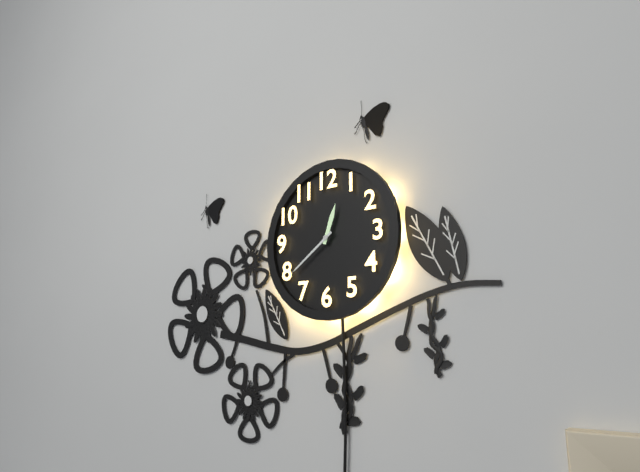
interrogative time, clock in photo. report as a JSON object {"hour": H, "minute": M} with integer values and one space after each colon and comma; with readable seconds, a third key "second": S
{"hour": 12, "minute": 39}
